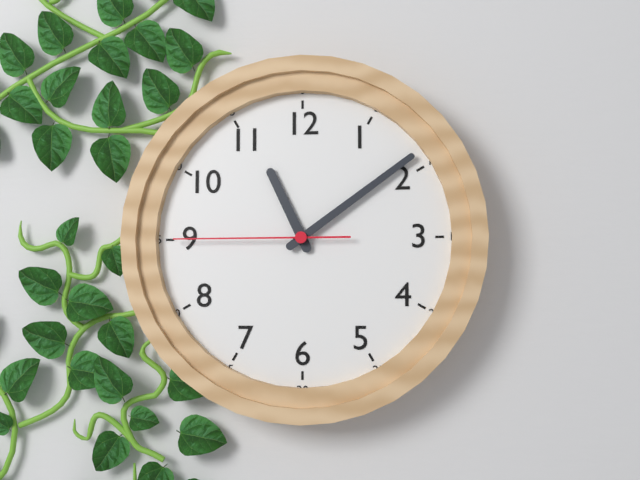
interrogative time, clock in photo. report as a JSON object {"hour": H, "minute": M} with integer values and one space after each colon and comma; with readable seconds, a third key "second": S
{"hour": 11, "minute": 9, "second": 45}
